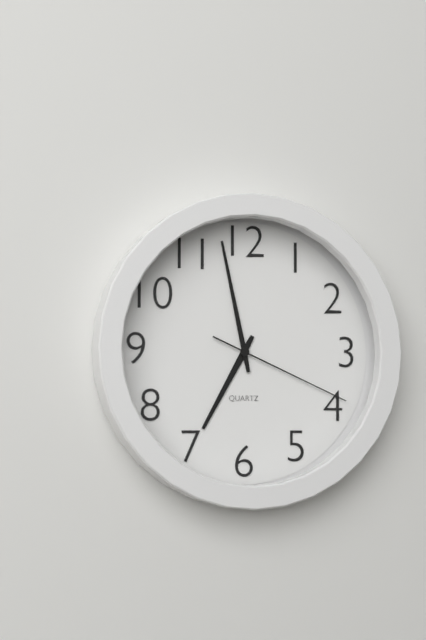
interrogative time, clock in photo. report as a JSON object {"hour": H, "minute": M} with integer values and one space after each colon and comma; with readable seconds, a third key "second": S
{"hour": 6, "minute": 58, "second": 19}
